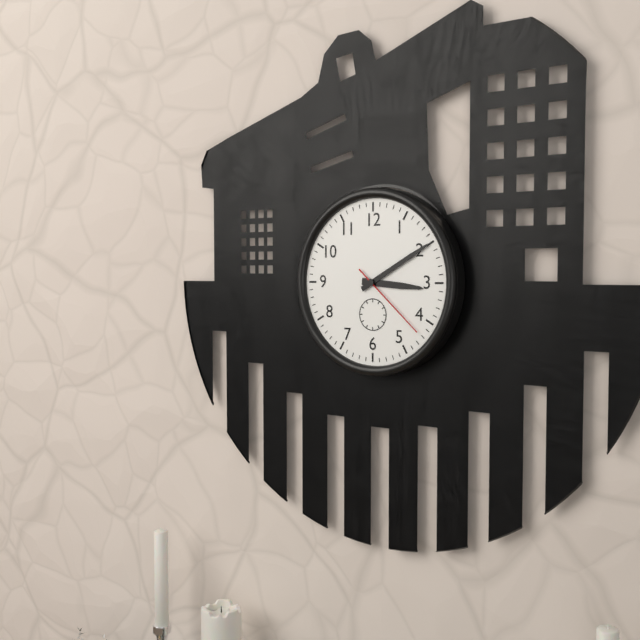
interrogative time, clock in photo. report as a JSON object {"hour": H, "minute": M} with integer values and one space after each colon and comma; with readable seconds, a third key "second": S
{"hour": 3, "minute": 10, "second": 22}
